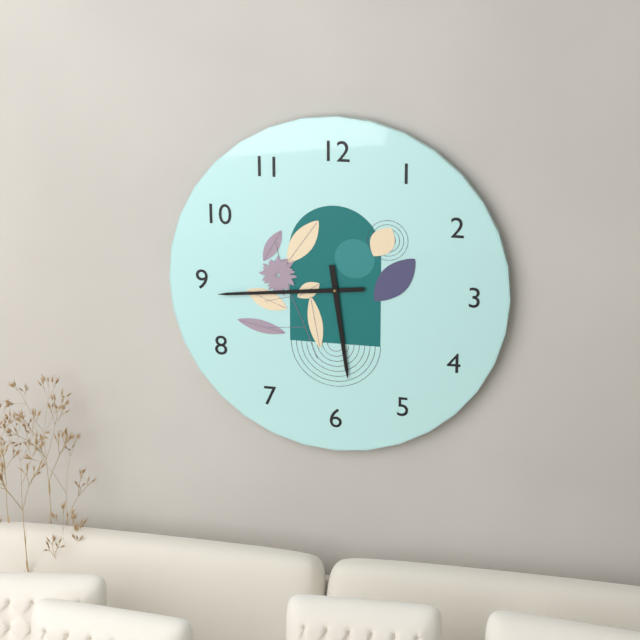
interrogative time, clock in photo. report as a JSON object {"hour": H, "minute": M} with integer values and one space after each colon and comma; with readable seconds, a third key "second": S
{"hour": 5, "minute": 44}
